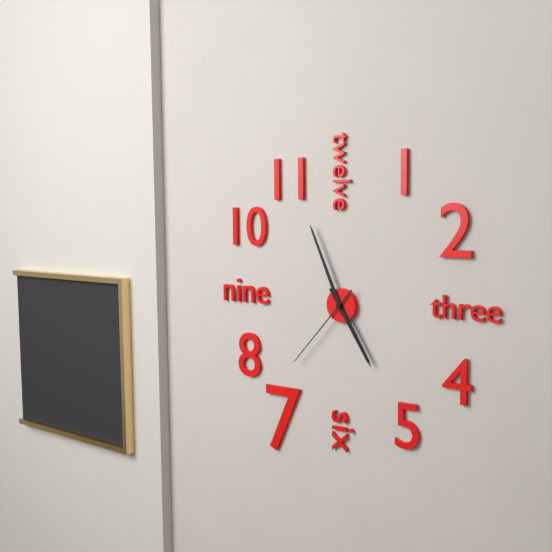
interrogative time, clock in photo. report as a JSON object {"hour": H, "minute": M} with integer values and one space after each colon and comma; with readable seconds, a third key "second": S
{"hour": 4, "minute": 56, "second": 37}
